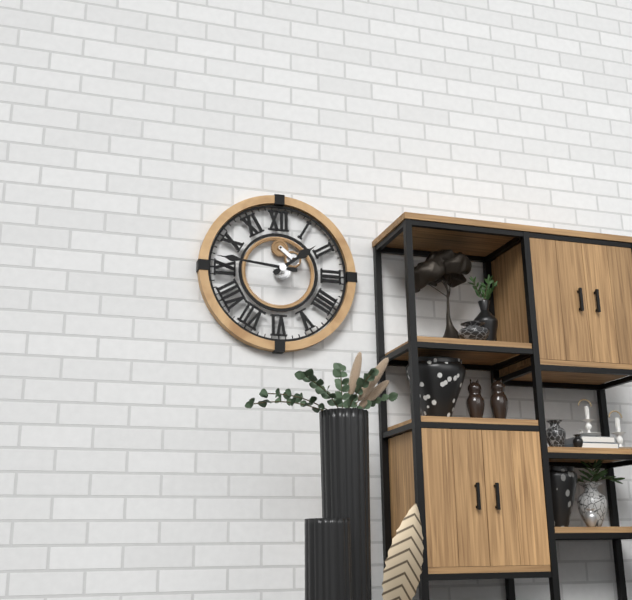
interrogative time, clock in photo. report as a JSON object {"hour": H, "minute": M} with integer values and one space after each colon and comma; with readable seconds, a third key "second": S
{"hour": 1, "minute": 46}
